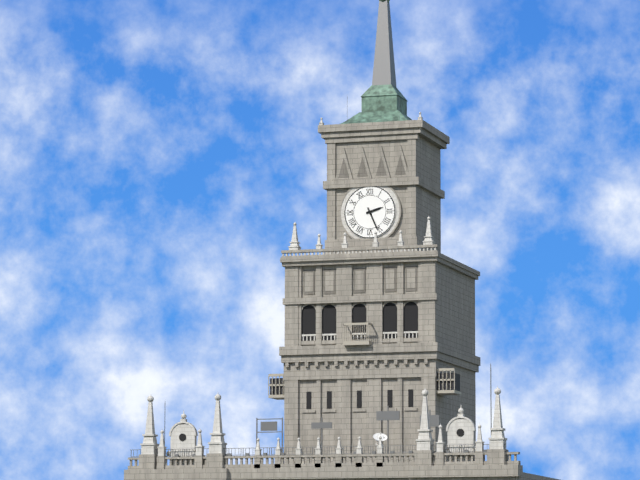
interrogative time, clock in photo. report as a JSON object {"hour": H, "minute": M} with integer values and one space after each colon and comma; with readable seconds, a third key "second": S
{"hour": 2, "minute": 26}
